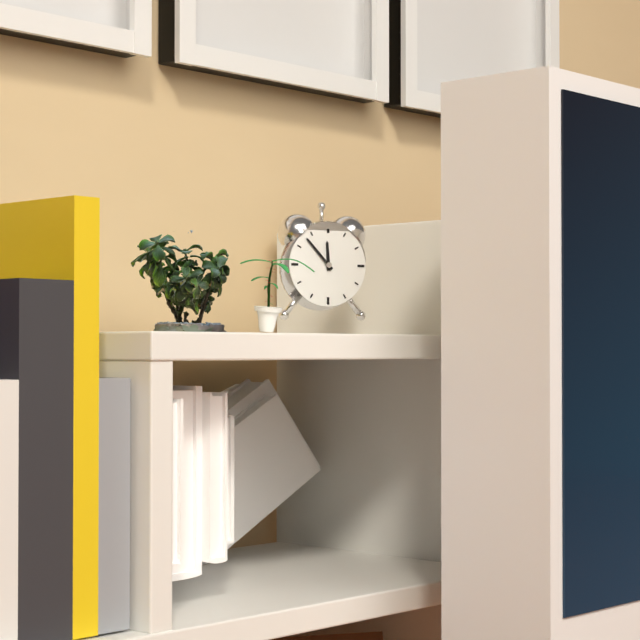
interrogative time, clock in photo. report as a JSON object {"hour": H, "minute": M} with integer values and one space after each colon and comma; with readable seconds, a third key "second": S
{"hour": 11, "minute": 53}
